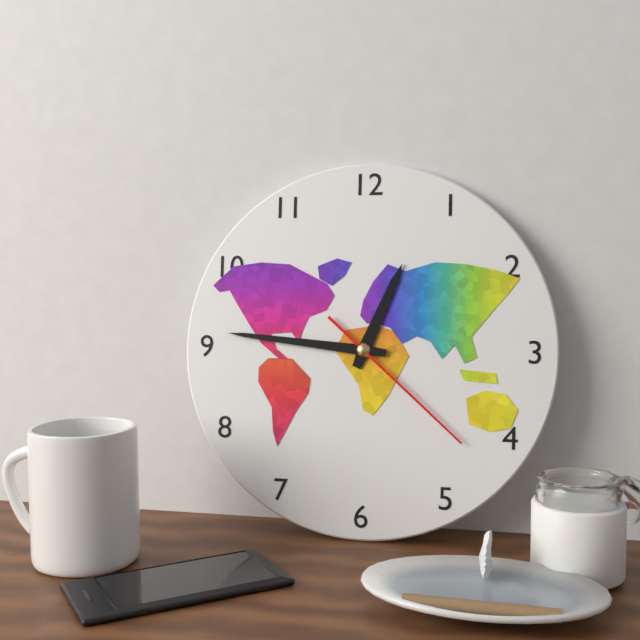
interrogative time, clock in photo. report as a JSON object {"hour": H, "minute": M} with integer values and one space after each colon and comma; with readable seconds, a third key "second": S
{"hour": 12, "minute": 46, "second": 22}
